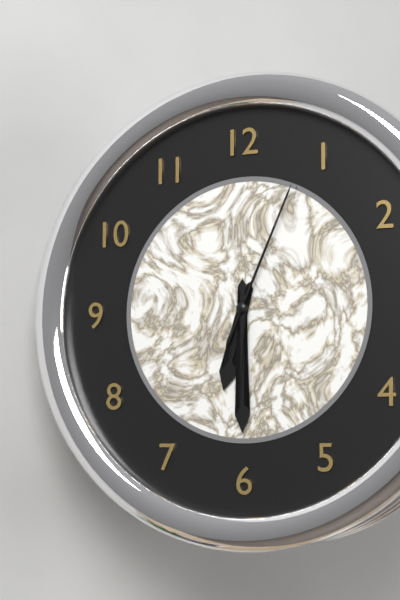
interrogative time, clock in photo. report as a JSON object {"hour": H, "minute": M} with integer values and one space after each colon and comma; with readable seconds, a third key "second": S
{"hour": 6, "minute": 30, "second": 4}
